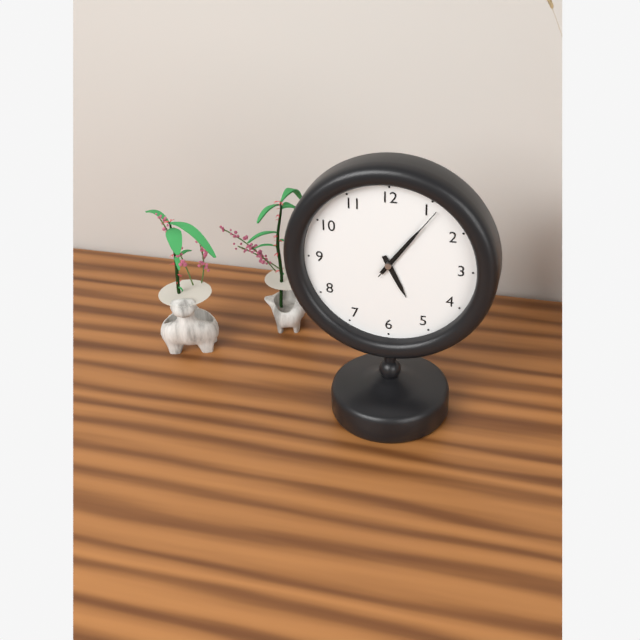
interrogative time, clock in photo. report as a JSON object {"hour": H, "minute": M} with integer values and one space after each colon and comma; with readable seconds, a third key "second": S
{"hour": 5, "minute": 6, "second": 6}
